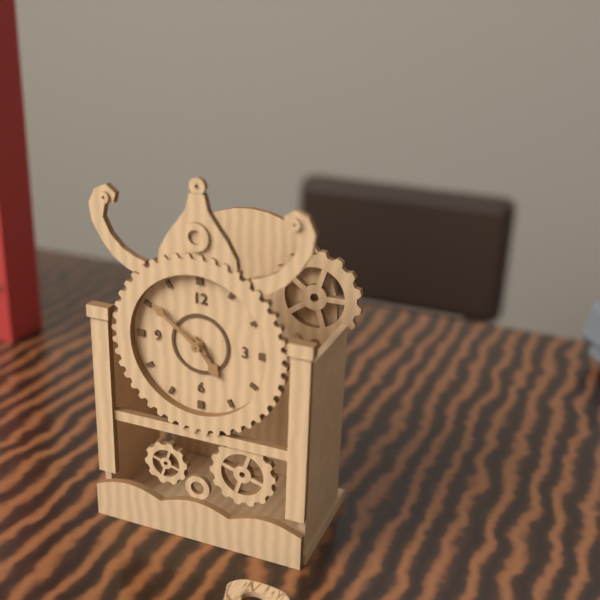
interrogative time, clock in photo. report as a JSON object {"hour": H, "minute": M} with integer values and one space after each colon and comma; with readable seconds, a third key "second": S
{"hour": 4, "minute": 51}
